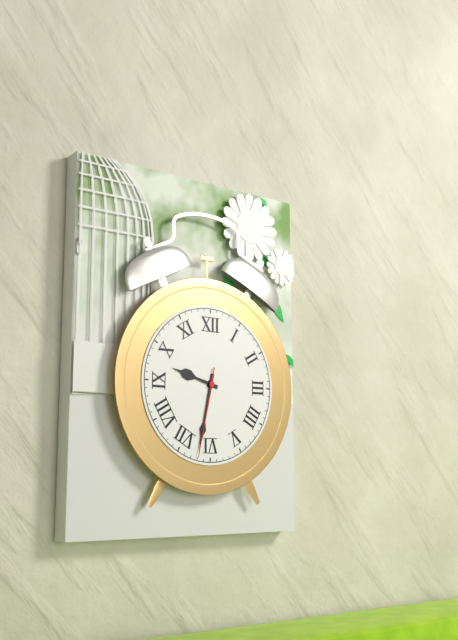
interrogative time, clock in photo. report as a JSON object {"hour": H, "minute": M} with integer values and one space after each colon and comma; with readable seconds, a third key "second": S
{"hour": 9, "minute": 32, "second": 32}
